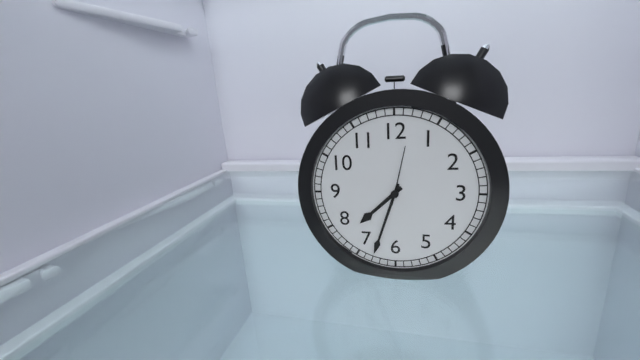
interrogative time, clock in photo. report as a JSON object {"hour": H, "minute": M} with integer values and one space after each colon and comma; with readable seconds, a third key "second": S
{"hour": 7, "minute": 33, "second": 2}
